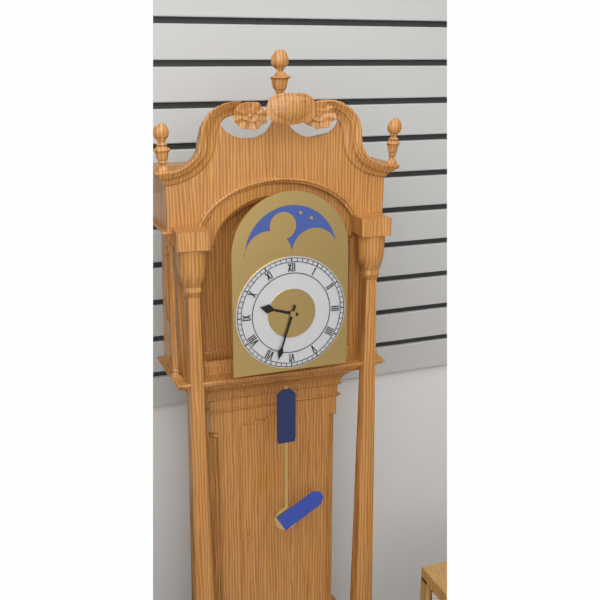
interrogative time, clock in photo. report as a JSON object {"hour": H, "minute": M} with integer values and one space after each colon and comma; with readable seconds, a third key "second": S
{"hour": 9, "minute": 33}
